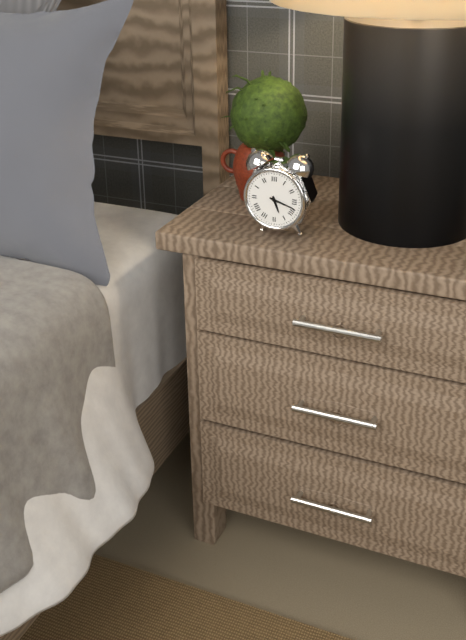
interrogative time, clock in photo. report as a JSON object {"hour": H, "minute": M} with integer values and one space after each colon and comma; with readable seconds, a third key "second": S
{"hour": 5, "minute": 18}
